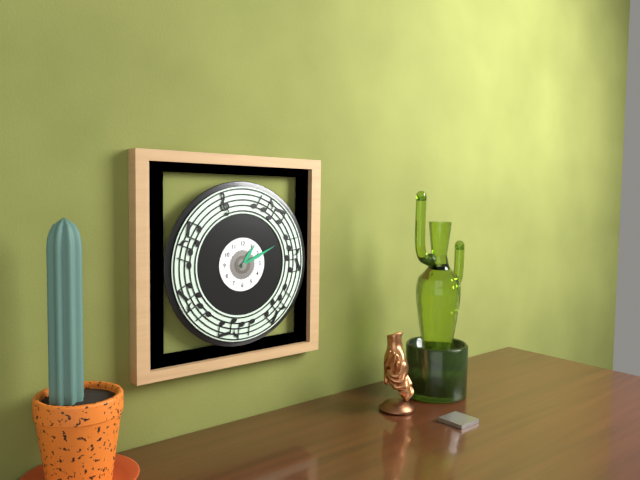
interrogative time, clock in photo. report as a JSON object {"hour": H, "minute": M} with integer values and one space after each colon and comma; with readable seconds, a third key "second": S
{"hour": 1, "minute": 11}
